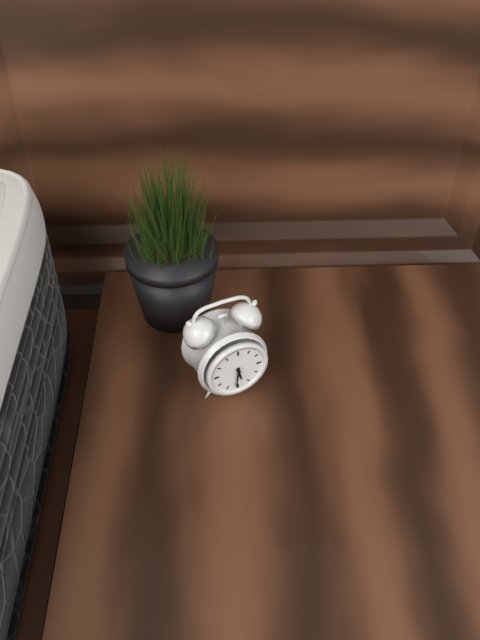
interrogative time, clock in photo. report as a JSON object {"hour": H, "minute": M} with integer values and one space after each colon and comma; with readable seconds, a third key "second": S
{"hour": 5, "minute": 31}
